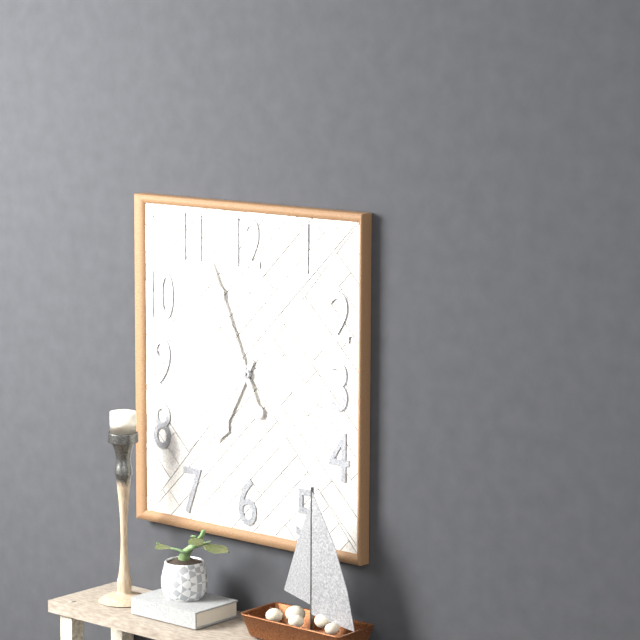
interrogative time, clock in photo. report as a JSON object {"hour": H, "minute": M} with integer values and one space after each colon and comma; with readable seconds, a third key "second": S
{"hour": 6, "minute": 56}
